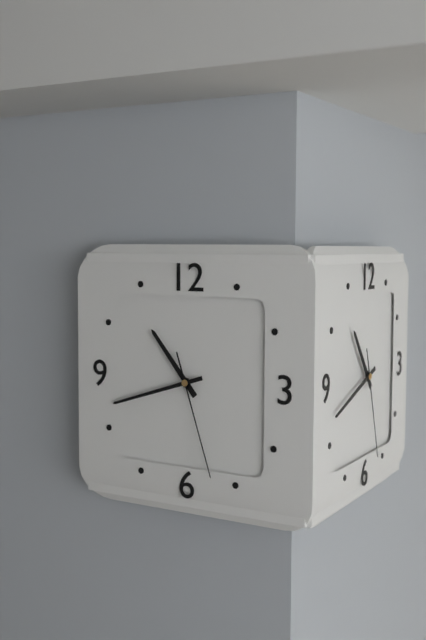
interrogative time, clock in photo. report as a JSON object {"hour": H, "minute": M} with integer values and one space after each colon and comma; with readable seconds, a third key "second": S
{"hour": 10, "minute": 42, "second": 27}
